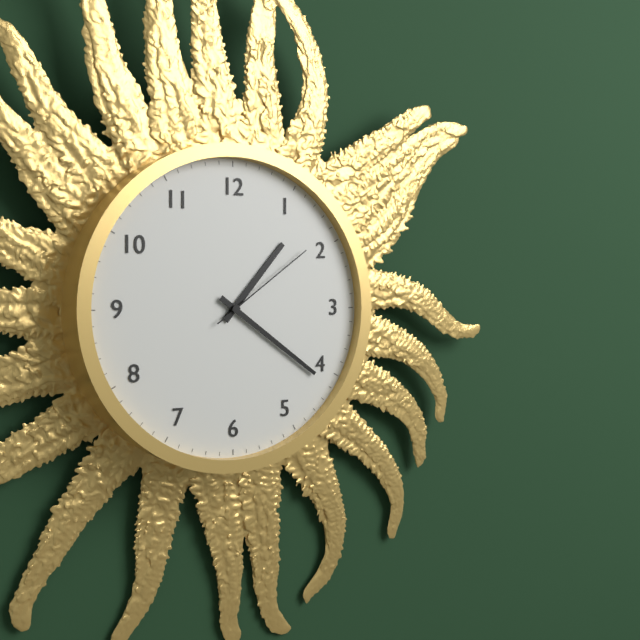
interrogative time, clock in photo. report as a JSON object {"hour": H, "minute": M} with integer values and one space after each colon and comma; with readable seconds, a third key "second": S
{"hour": 1, "minute": 21, "second": 9}
